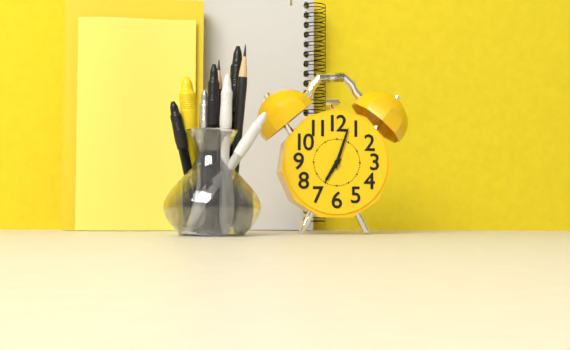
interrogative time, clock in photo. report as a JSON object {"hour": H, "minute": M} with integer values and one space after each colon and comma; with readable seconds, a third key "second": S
{"hour": 7, "minute": 3}
